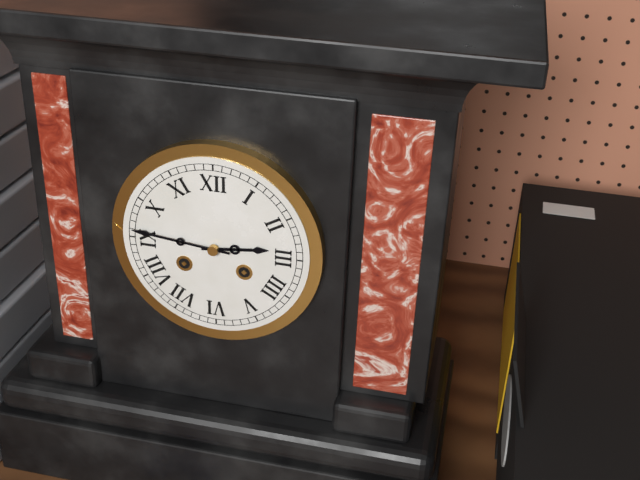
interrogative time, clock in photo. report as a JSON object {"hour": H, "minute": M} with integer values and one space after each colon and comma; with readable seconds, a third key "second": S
{"hour": 2, "minute": 46}
